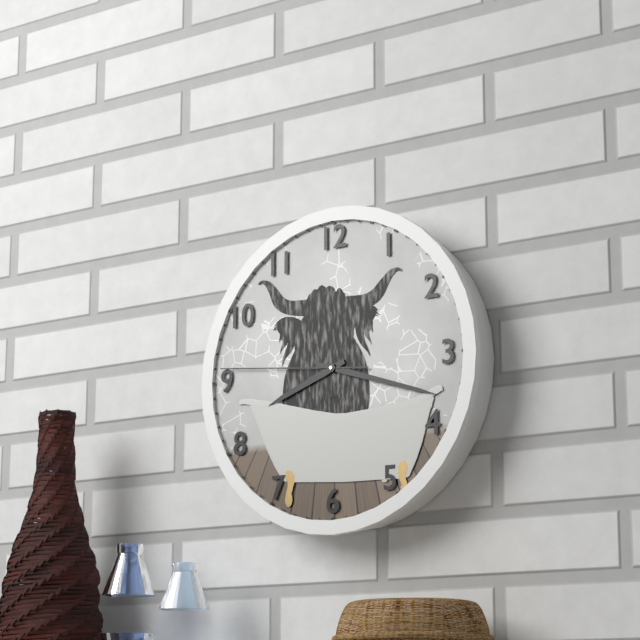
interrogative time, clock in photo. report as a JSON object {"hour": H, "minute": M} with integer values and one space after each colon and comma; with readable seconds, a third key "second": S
{"hour": 8, "minute": 18, "second": 46}
